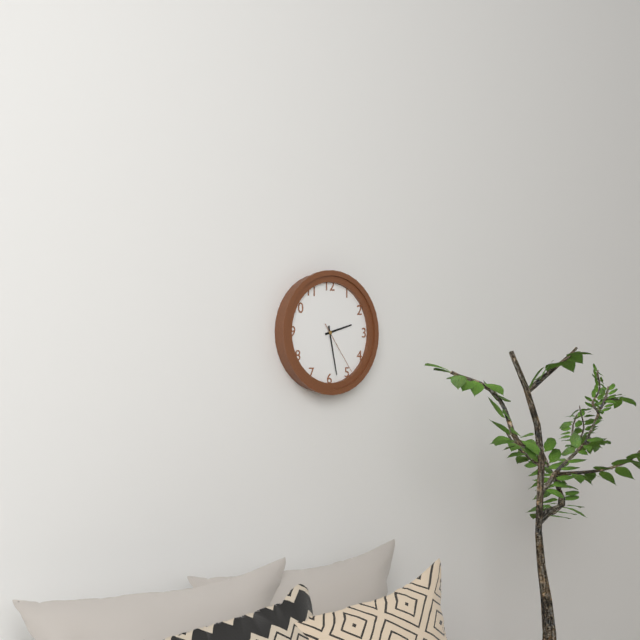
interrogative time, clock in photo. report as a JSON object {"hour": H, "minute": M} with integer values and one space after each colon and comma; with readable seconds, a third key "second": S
{"hour": 2, "minute": 28, "second": 24}
